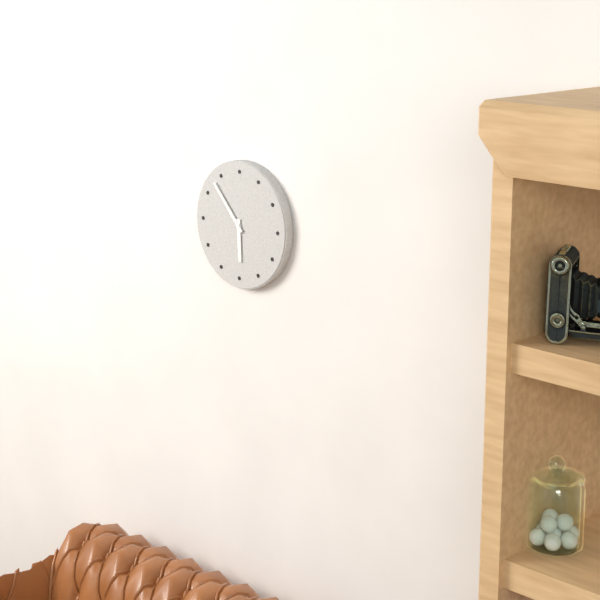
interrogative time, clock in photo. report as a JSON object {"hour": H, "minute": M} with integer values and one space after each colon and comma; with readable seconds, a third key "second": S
{"hour": 5, "minute": 53}
